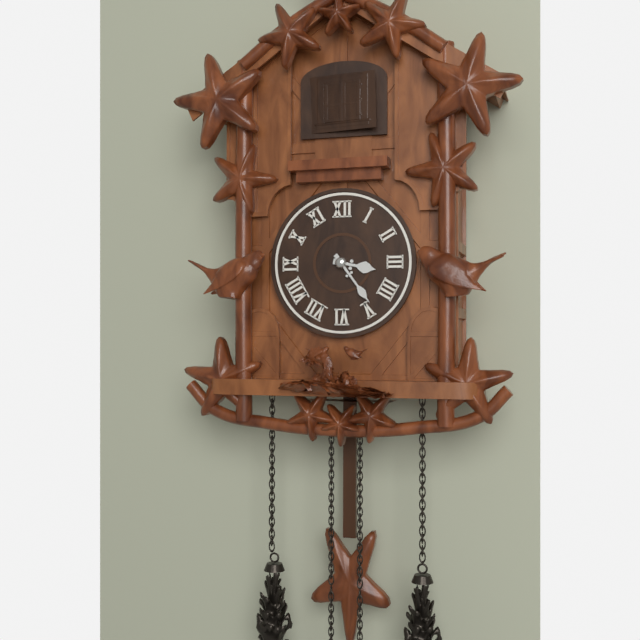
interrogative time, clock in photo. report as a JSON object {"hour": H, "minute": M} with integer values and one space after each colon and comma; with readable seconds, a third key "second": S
{"hour": 3, "minute": 24}
